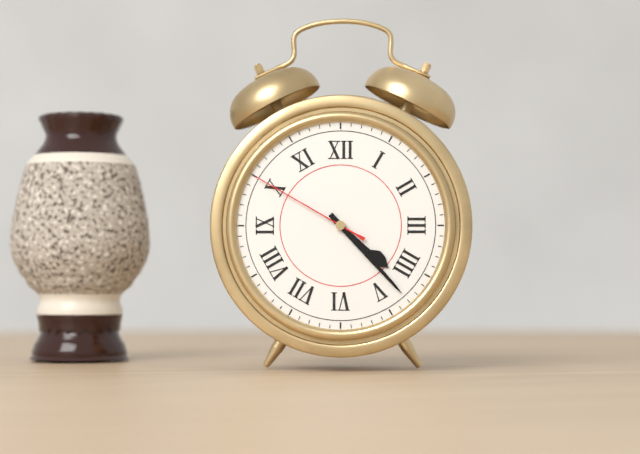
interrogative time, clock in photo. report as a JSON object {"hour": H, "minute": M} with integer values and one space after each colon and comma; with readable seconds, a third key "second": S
{"hour": 4, "minute": 23, "second": 50}
